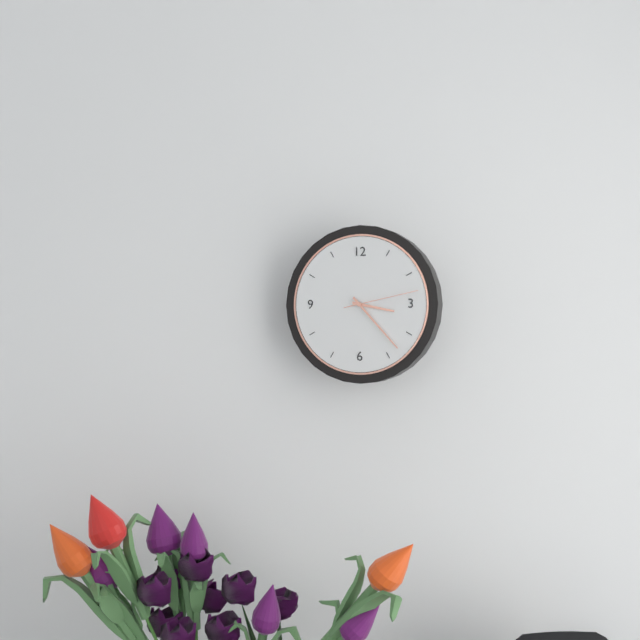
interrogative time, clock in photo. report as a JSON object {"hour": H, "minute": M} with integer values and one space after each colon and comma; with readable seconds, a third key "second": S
{"hour": 3, "minute": 23, "second": 13}
